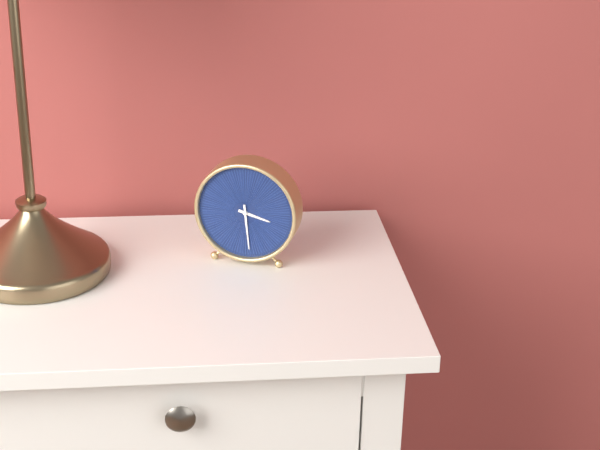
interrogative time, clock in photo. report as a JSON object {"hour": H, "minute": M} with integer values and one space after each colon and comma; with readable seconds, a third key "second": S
{"hour": 3, "minute": 29}
